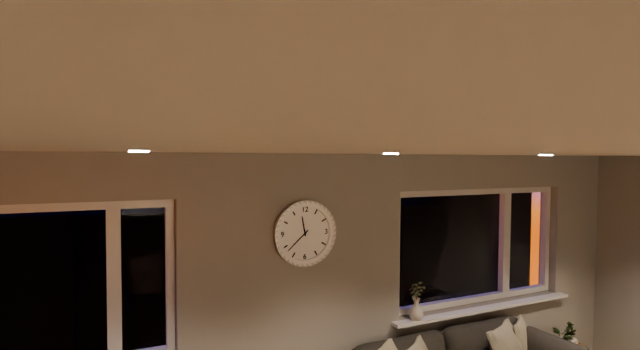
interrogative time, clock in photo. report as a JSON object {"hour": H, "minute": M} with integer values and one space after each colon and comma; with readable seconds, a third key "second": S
{"hour": 11, "minute": 38}
